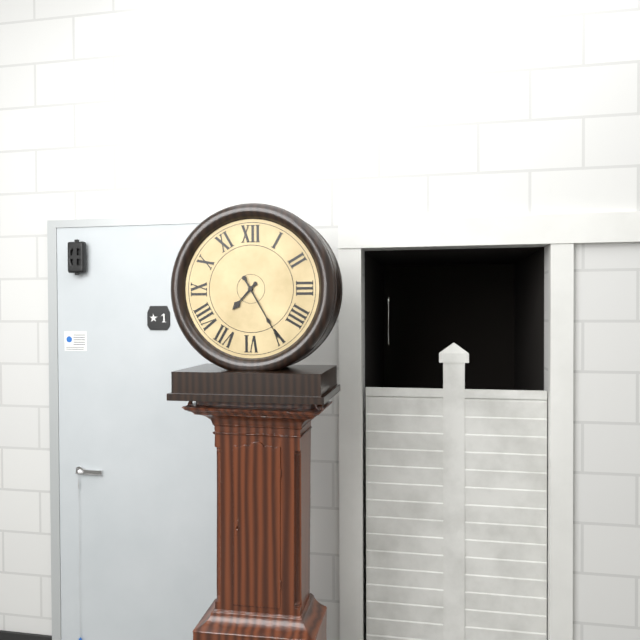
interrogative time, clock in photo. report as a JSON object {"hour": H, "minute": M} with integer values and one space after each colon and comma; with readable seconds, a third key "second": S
{"hour": 7, "minute": 25}
